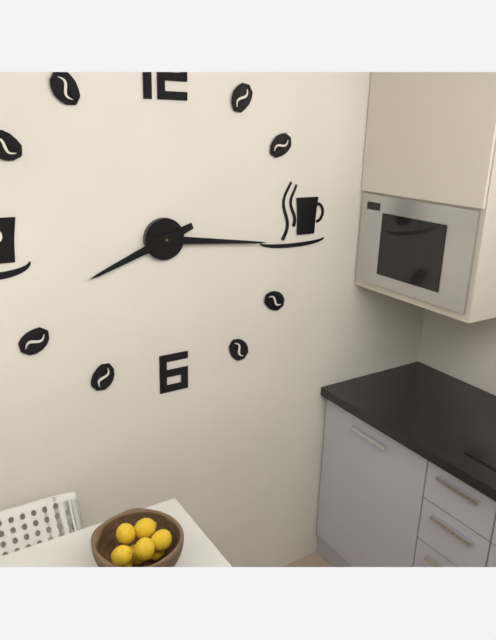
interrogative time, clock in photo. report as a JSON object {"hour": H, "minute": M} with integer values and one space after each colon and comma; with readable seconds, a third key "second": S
{"hour": 8, "minute": 16}
